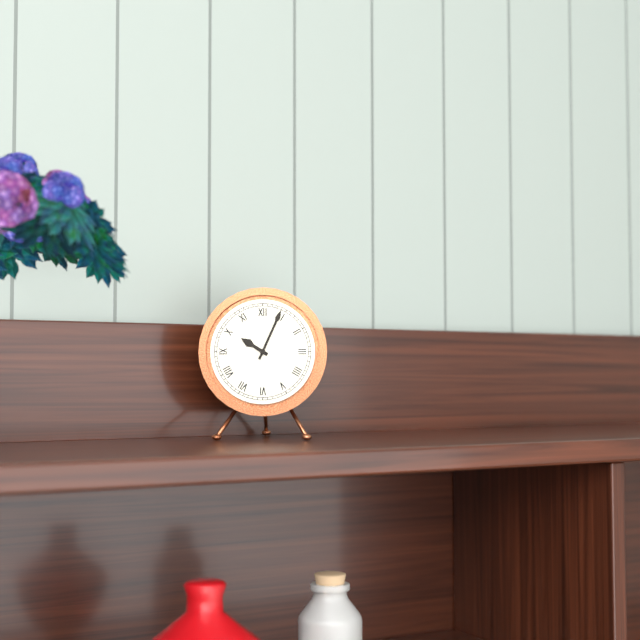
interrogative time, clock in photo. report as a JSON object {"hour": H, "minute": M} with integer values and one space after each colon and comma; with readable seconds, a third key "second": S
{"hour": 10, "minute": 4}
